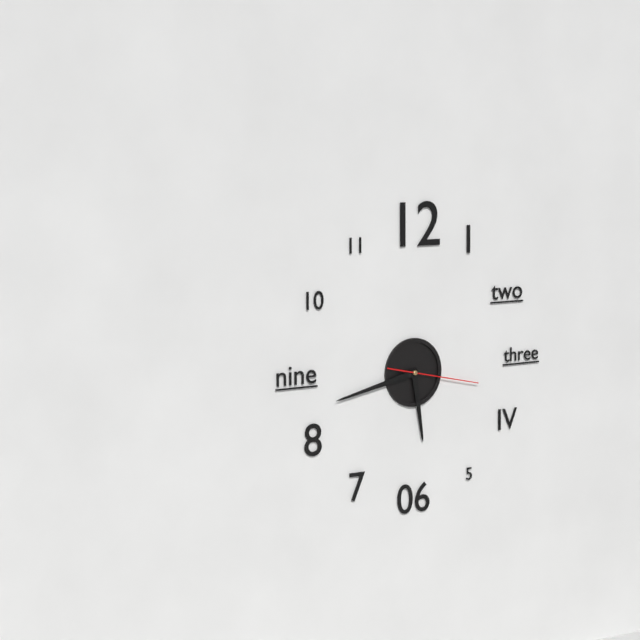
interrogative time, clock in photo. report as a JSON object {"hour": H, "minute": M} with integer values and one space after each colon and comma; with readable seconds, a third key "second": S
{"hour": 5, "minute": 43, "second": 17}
